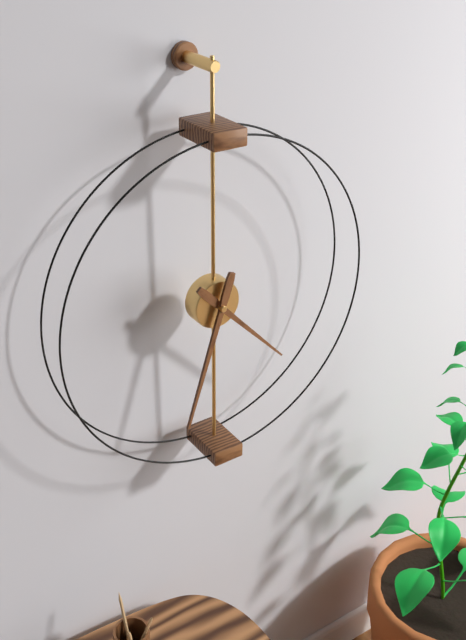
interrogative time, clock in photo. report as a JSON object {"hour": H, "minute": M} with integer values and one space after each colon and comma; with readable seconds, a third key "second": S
{"hour": 4, "minute": 33}
